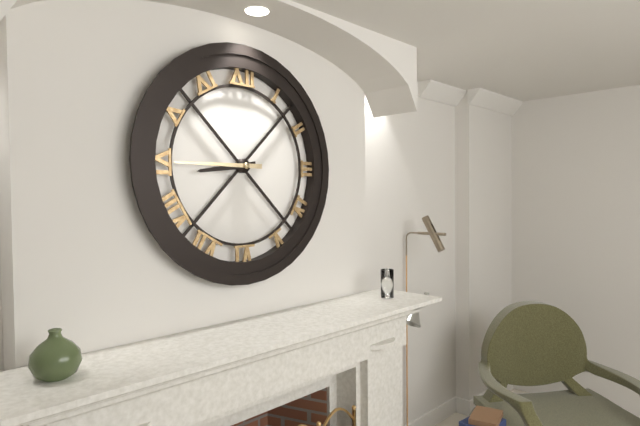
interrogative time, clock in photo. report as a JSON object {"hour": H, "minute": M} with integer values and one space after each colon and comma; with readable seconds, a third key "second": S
{"hour": 8, "minute": 45}
